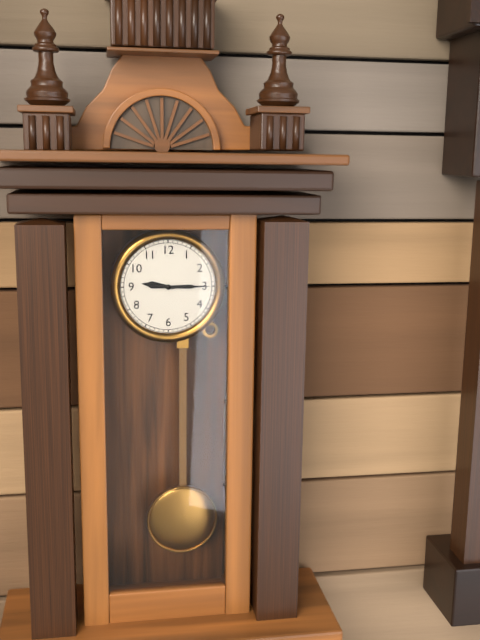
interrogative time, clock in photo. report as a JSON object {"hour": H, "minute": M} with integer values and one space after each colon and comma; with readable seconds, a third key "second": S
{"hour": 9, "minute": 15}
